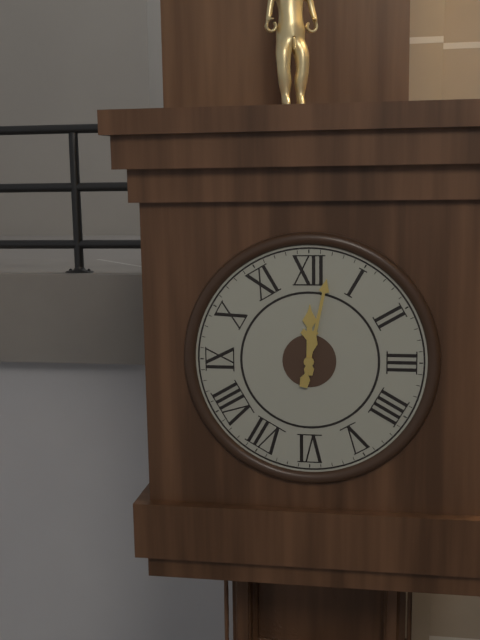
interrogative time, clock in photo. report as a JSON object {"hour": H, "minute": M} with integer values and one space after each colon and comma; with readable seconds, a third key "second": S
{"hour": 12, "minute": 2}
